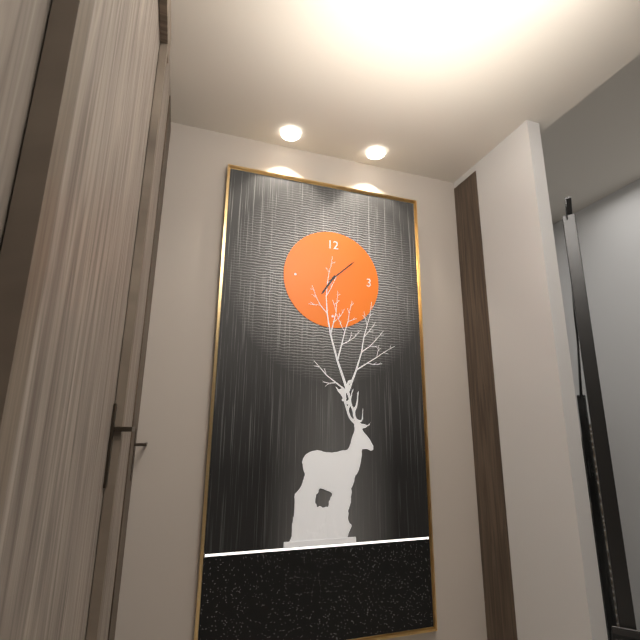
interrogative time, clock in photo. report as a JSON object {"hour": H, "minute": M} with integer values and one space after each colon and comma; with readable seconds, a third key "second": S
{"hour": 7, "minute": 8}
